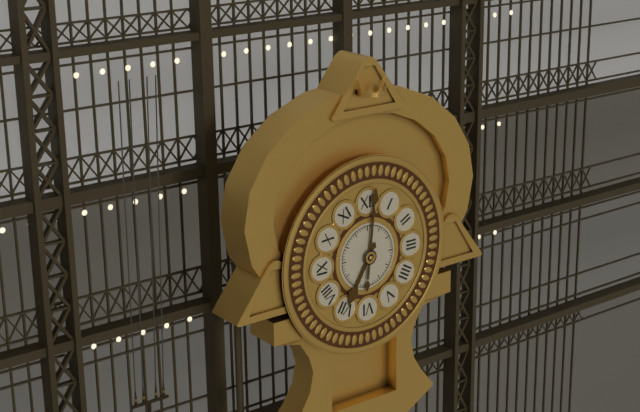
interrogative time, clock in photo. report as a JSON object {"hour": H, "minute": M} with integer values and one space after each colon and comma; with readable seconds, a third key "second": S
{"hour": 7, "minute": 1}
